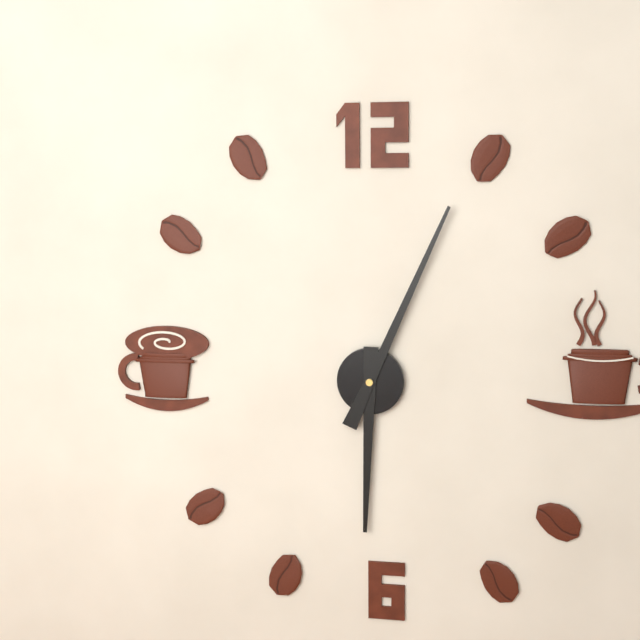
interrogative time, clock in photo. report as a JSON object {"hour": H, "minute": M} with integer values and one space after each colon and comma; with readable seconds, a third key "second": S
{"hour": 6, "minute": 4}
